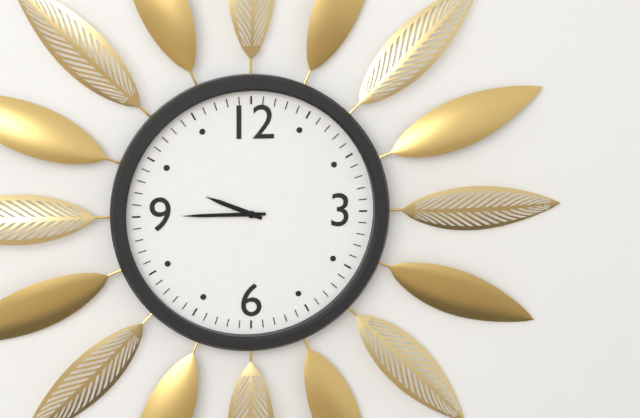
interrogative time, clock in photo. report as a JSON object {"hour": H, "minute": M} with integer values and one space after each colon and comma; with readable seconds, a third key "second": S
{"hour": 9, "minute": 45}
